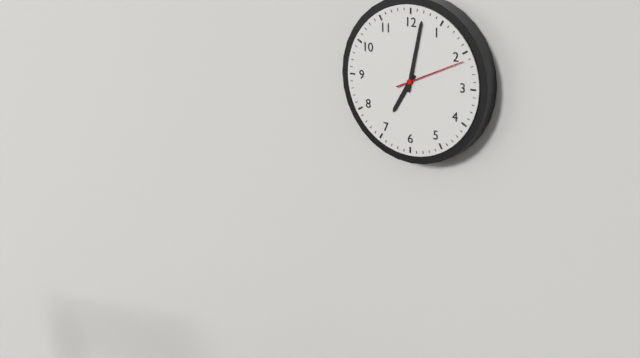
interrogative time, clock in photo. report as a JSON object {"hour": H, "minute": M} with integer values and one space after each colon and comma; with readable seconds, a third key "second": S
{"hour": 7, "minute": 2, "second": 11}
